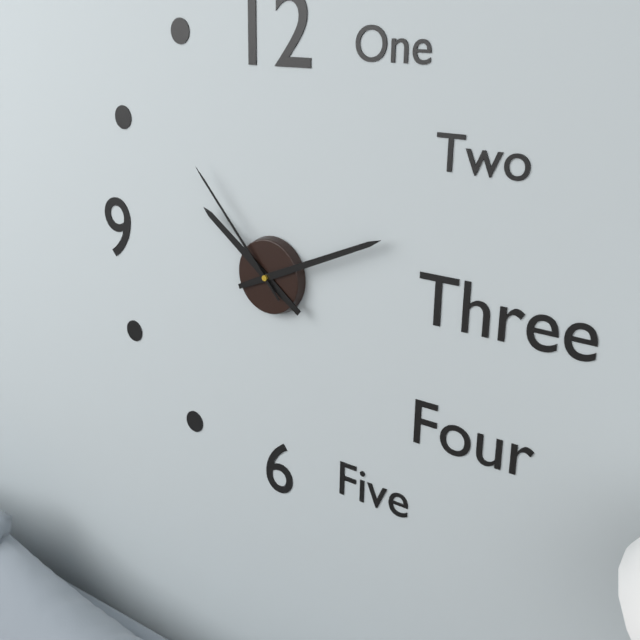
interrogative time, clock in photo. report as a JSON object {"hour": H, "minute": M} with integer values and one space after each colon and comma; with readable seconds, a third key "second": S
{"hour": 10, "minute": 11, "second": 53}
